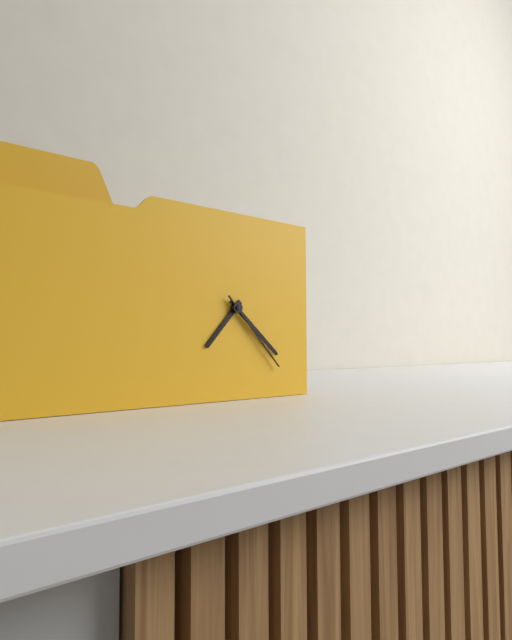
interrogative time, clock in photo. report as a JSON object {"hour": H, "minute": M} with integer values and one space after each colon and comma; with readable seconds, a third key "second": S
{"hour": 7, "minute": 22, "second": 23}
